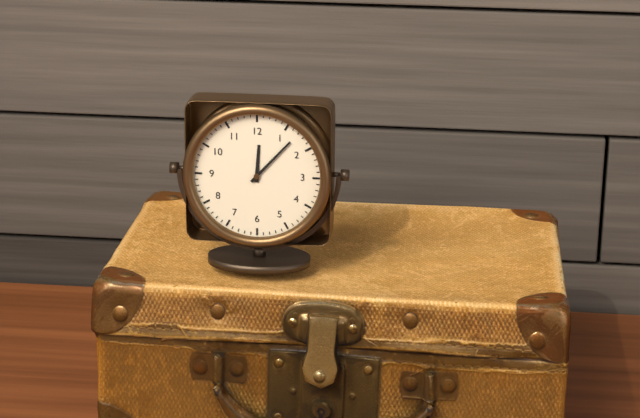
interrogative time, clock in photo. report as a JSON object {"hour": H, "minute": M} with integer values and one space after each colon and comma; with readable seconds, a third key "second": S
{"hour": 12, "minute": 7}
